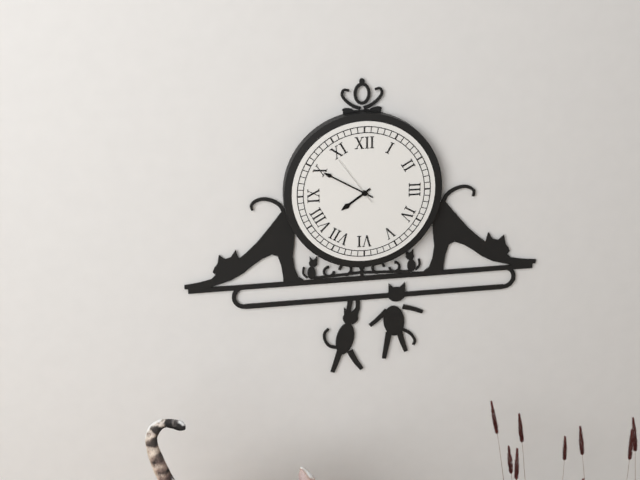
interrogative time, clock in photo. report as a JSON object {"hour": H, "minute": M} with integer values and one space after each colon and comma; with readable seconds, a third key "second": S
{"hour": 7, "minute": 50, "second": 54}
